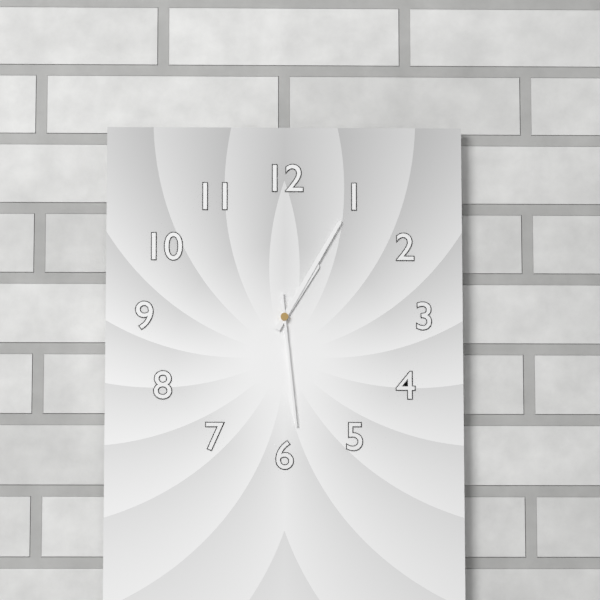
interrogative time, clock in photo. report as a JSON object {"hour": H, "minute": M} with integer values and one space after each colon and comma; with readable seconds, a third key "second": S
{"hour": 1, "minute": 5, "second": 29}
